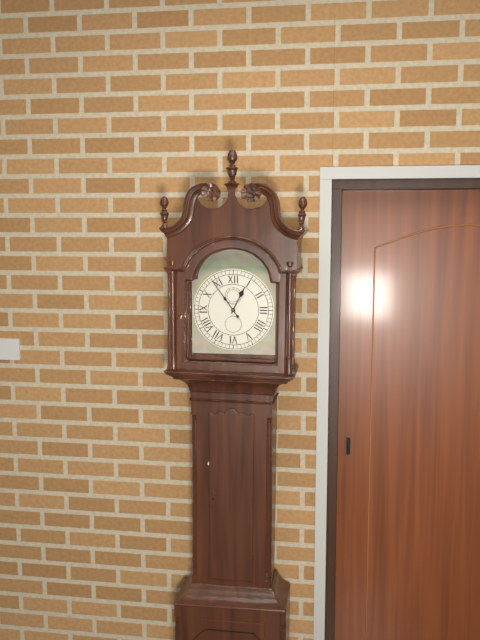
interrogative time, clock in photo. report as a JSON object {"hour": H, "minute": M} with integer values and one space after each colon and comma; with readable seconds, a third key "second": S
{"hour": 12, "minute": 54}
